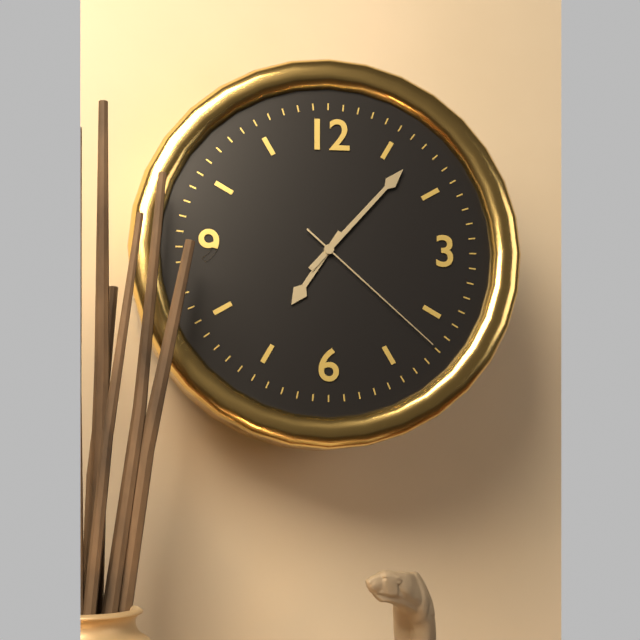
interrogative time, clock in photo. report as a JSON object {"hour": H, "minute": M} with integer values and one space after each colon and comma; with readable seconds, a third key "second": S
{"hour": 7, "minute": 7, "second": 22}
